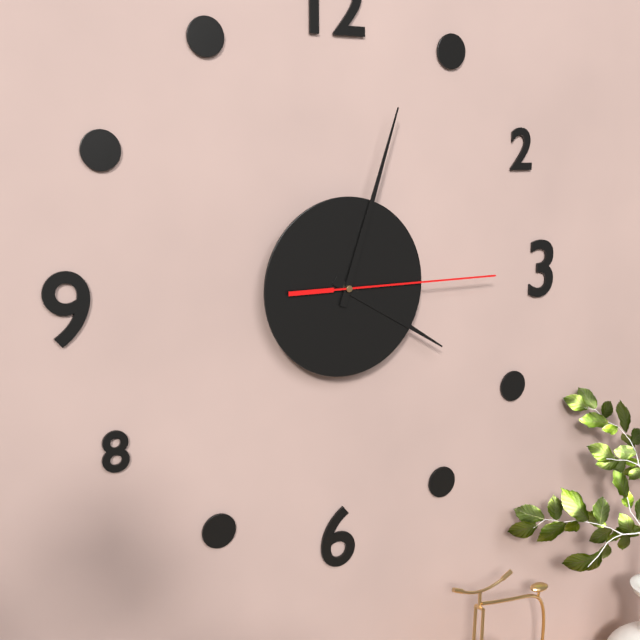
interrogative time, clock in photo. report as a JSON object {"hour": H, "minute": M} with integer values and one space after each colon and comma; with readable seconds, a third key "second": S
{"hour": 4, "minute": 3, "second": 15}
